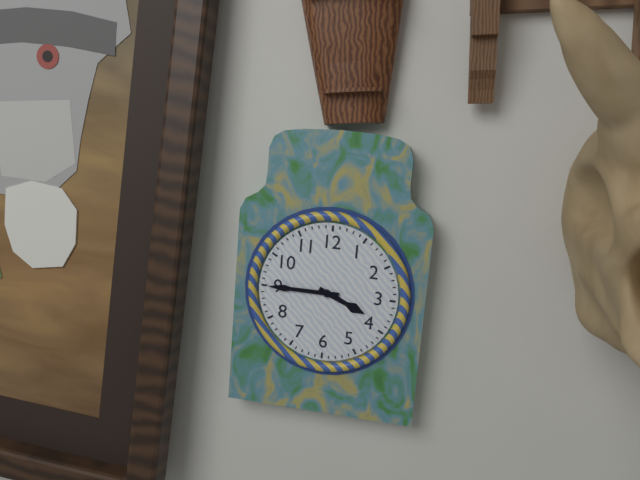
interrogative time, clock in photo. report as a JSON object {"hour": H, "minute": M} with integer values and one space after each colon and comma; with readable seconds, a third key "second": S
{"hour": 3, "minute": 45}
